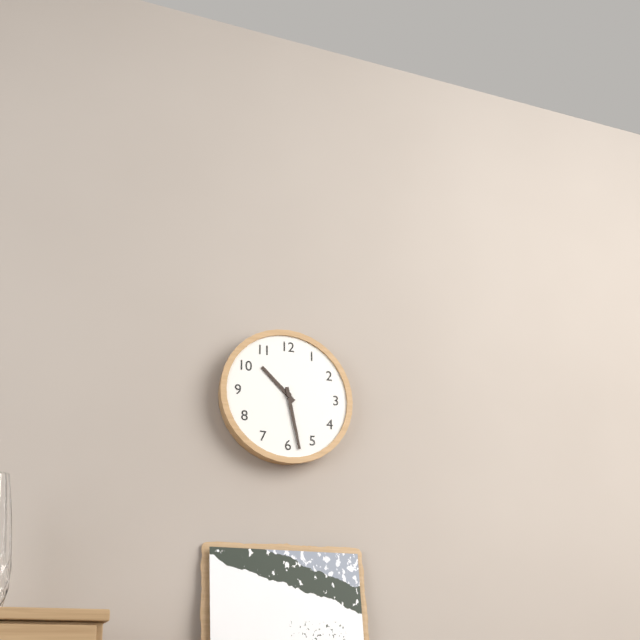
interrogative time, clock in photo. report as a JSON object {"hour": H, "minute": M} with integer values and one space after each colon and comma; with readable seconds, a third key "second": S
{"hour": 10, "minute": 28}
